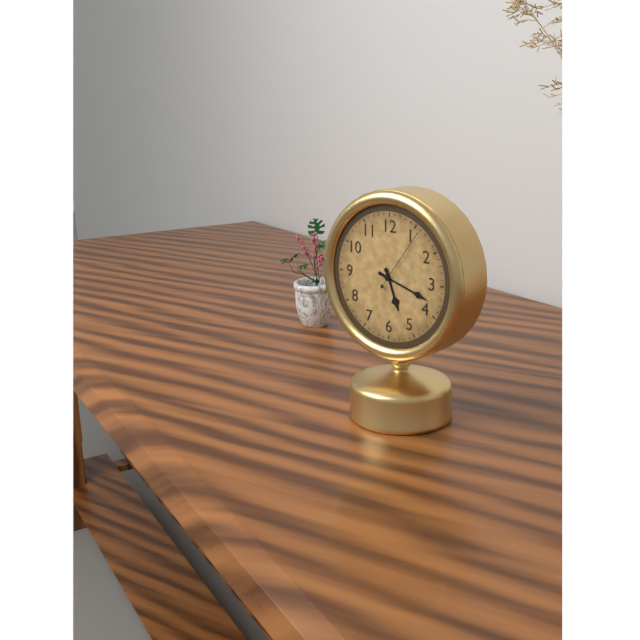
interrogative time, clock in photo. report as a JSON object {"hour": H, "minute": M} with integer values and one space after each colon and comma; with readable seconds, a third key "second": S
{"hour": 5, "minute": 18, "second": 6}
